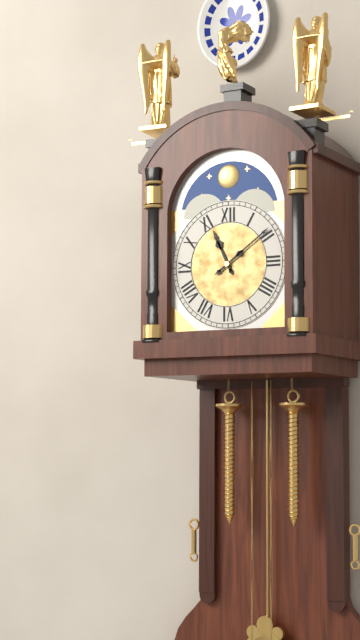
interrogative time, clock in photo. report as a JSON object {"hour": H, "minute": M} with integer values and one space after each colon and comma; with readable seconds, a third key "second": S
{"hour": 11, "minute": 9}
